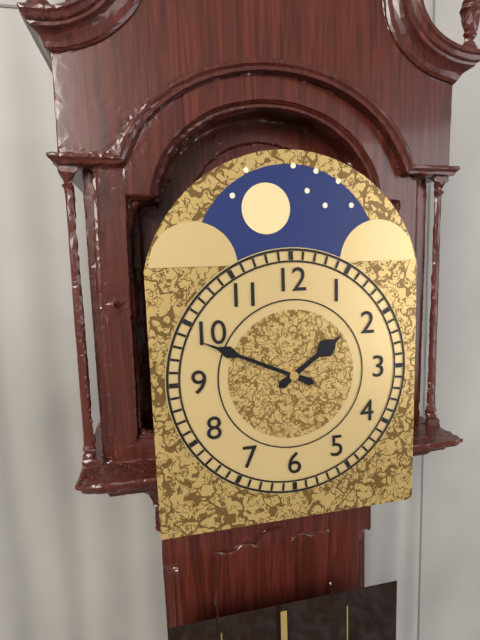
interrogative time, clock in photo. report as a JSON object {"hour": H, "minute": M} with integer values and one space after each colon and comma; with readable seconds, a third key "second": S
{"hour": 1, "minute": 49}
